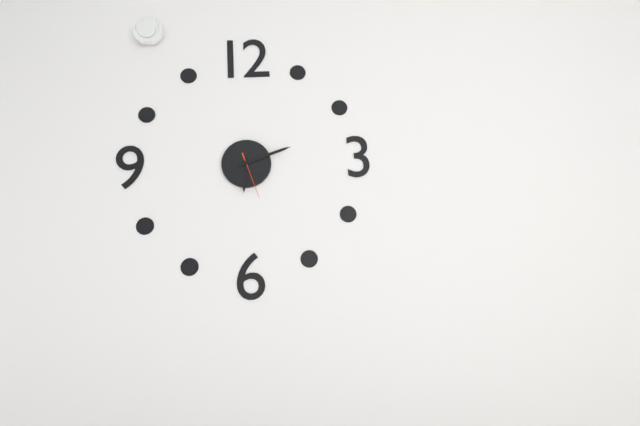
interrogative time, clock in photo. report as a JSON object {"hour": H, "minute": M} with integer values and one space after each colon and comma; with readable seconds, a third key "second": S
{"hour": 6, "minute": 12}
